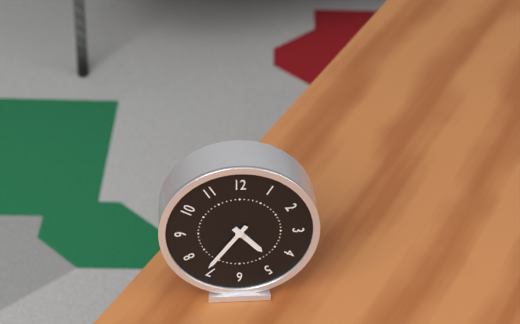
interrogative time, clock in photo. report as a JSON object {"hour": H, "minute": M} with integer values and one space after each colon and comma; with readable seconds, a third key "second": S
{"hour": 4, "minute": 36}
